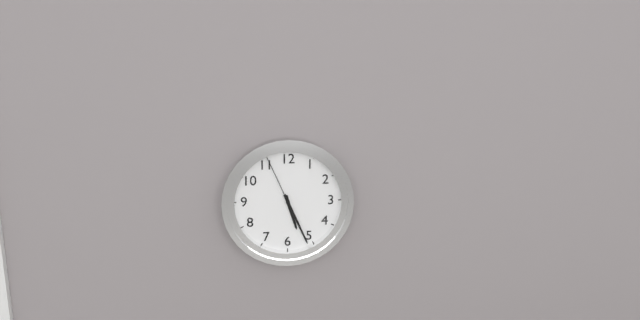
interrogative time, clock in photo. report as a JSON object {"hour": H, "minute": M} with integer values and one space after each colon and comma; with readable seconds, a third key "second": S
{"hour": 5, "minute": 26, "second": 56}
